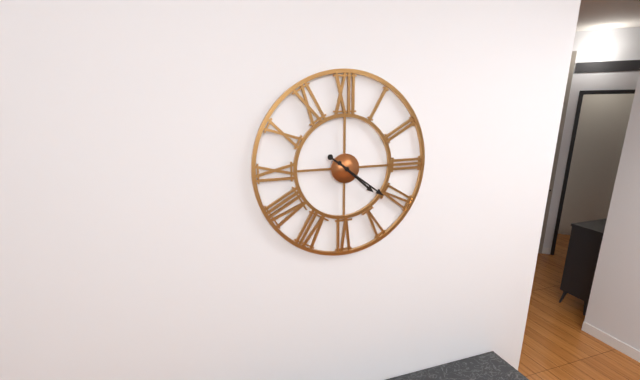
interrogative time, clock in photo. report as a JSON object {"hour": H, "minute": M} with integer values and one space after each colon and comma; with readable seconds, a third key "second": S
{"hour": 4, "minute": 21}
